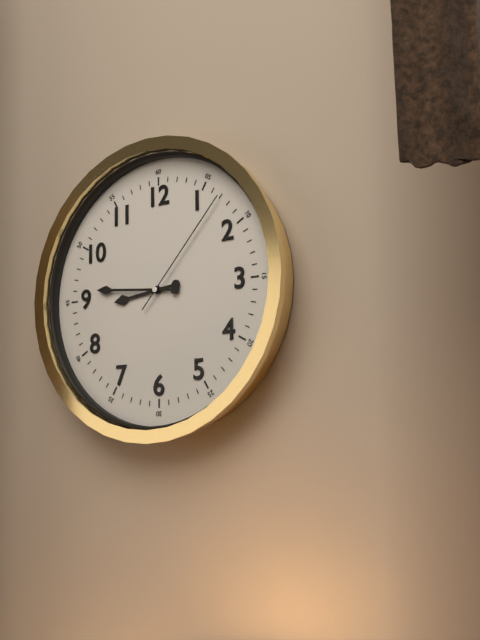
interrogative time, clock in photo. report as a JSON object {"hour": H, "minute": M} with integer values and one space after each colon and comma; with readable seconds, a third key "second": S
{"hour": 8, "minute": 46, "second": 7}
